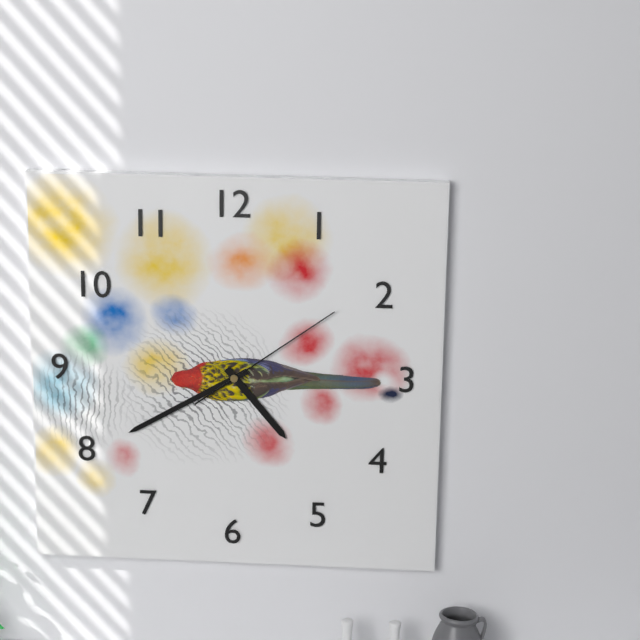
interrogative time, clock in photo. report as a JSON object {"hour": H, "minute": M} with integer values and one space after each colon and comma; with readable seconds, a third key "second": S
{"hour": 4, "minute": 40, "second": 9}
